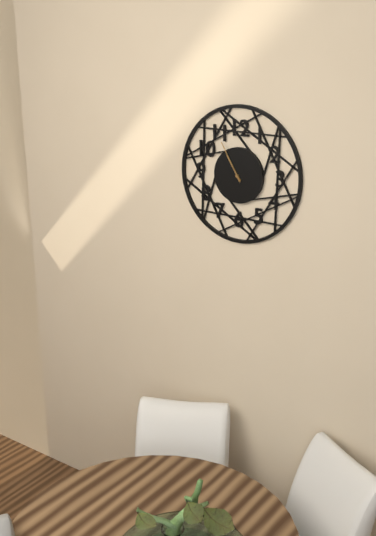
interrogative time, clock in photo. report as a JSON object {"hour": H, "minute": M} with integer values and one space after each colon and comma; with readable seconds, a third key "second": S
{"hour": 10, "minute": 55}
